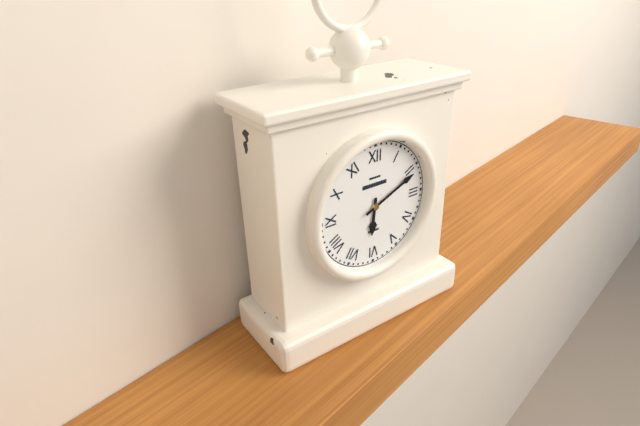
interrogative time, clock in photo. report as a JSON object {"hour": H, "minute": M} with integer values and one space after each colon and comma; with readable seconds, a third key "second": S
{"hour": 6, "minute": 11}
